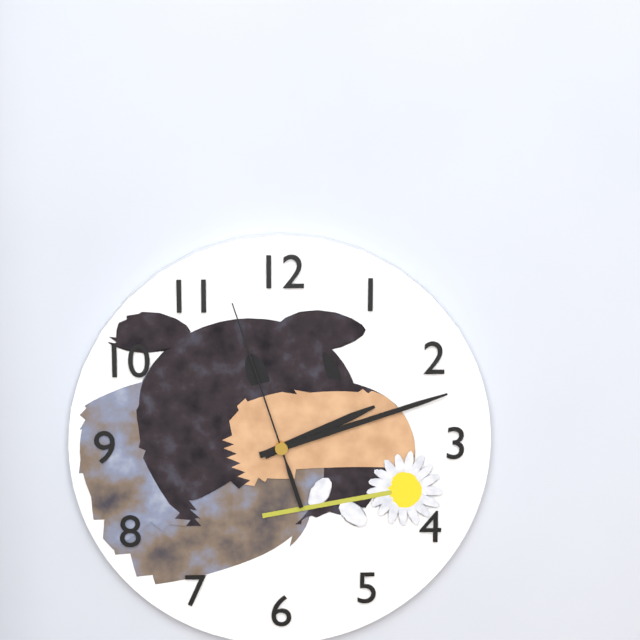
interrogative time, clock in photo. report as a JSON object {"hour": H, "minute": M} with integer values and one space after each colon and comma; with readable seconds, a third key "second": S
{"hour": 2, "minute": 12, "second": 57}
